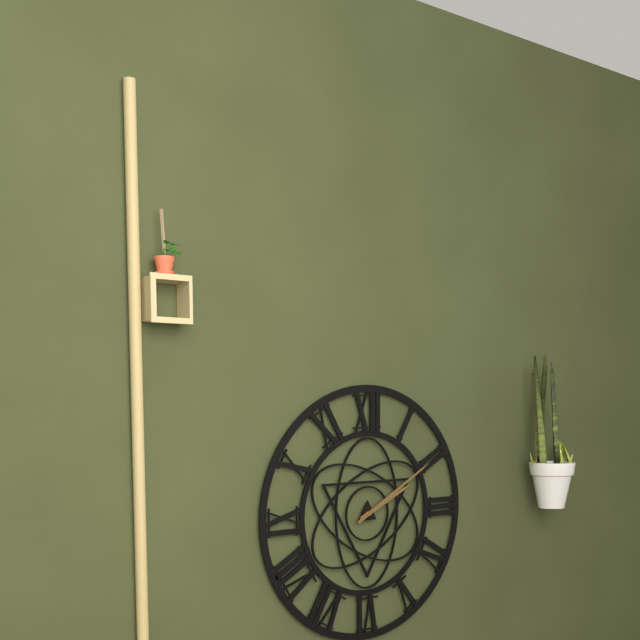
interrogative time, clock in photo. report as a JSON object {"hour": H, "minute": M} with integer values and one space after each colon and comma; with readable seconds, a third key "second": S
{"hour": 2, "minute": 10}
